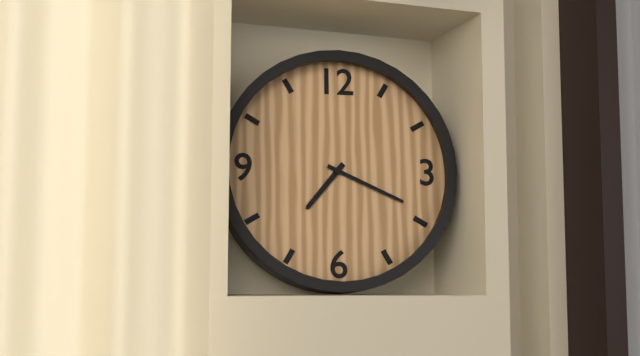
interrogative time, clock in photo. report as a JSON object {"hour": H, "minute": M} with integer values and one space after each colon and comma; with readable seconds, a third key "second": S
{"hour": 7, "minute": 19}
